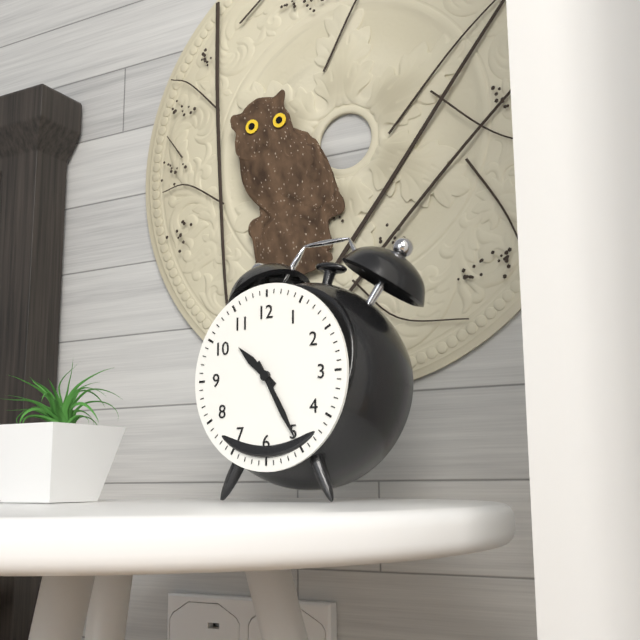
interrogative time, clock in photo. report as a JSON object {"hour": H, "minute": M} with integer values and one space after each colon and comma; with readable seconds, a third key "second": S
{"hour": 10, "minute": 25}
